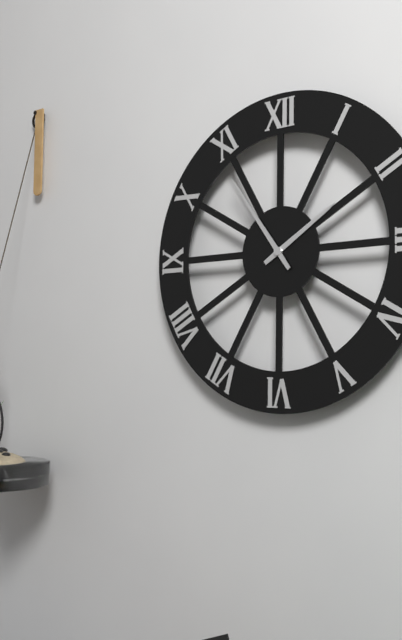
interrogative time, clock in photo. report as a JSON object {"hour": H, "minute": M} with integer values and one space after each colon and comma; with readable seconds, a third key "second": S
{"hour": 1, "minute": 54}
